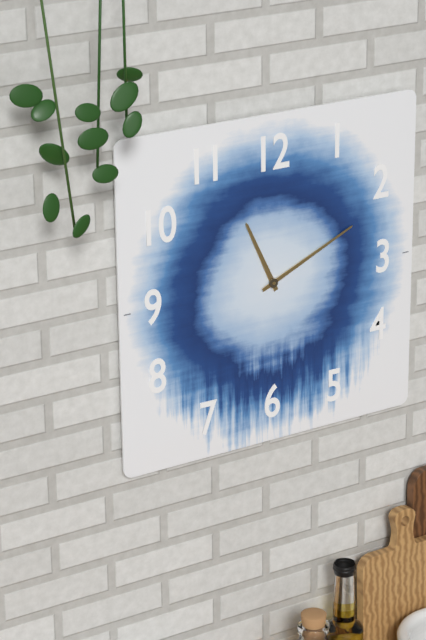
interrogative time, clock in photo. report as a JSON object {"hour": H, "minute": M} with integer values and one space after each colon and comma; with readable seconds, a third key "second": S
{"hour": 11, "minute": 11}
